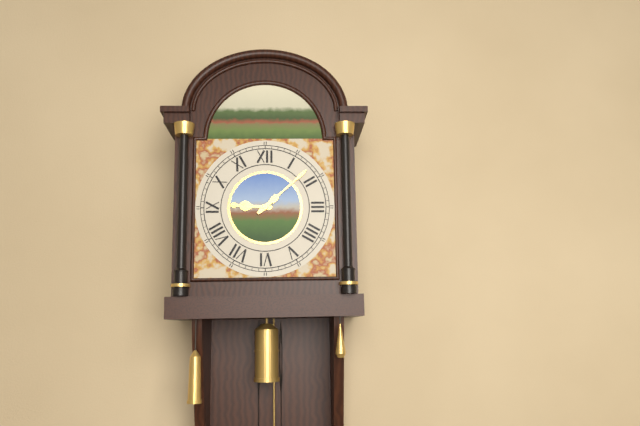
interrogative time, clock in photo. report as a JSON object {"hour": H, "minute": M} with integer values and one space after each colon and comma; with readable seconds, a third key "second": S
{"hour": 9, "minute": 8}
